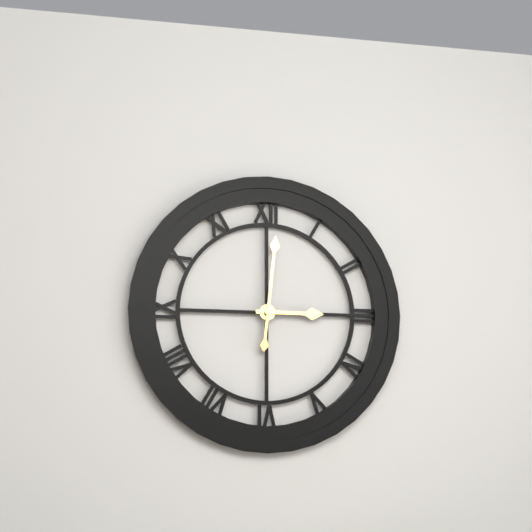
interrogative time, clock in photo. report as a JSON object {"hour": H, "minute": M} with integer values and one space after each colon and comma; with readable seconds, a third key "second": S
{"hour": 3, "minute": 1}
